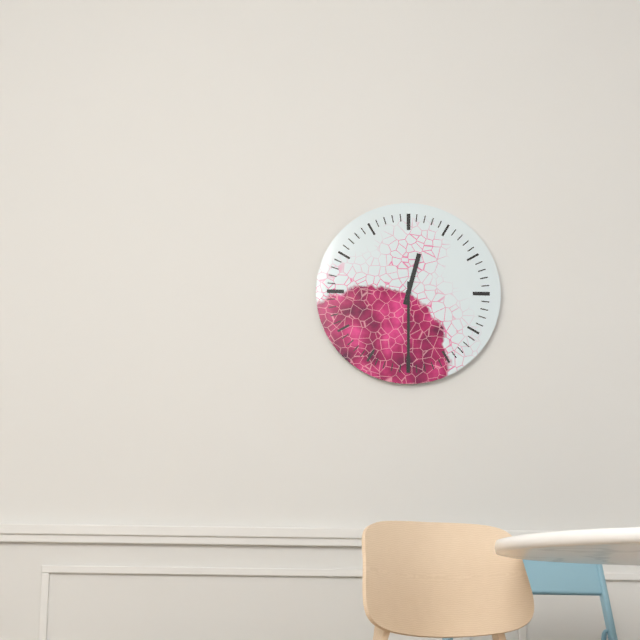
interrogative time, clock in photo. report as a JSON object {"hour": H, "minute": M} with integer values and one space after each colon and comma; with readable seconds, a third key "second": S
{"hour": 12, "minute": 30}
